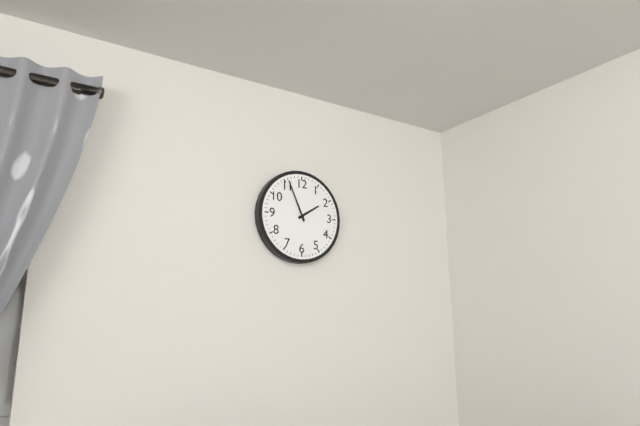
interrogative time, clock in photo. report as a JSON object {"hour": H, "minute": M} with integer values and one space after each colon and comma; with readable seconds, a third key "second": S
{"hour": 1, "minute": 56}
